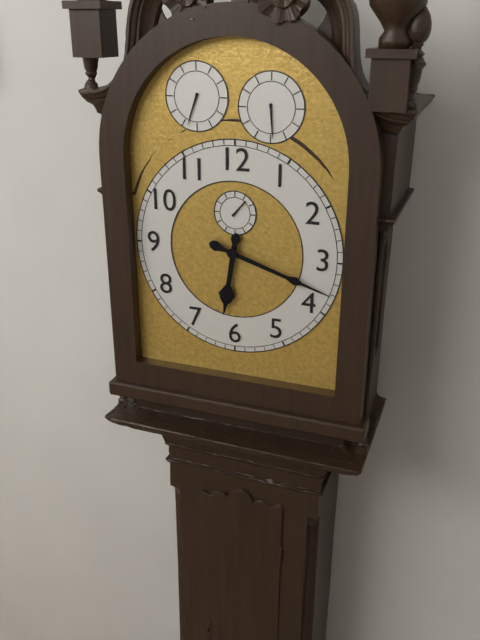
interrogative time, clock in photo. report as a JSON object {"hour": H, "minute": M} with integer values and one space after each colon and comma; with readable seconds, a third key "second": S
{"hour": 6, "minute": 18}
